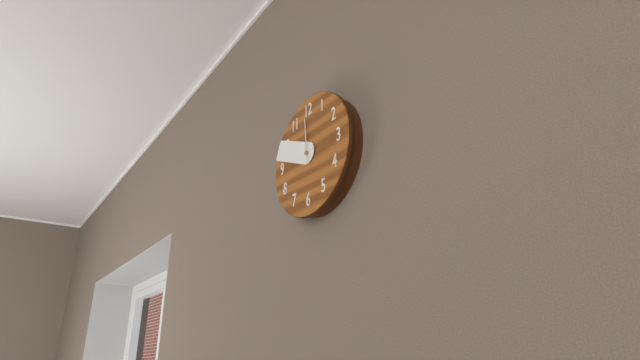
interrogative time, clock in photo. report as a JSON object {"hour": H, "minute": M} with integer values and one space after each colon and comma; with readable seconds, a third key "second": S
{"hour": 11, "minute": 49}
